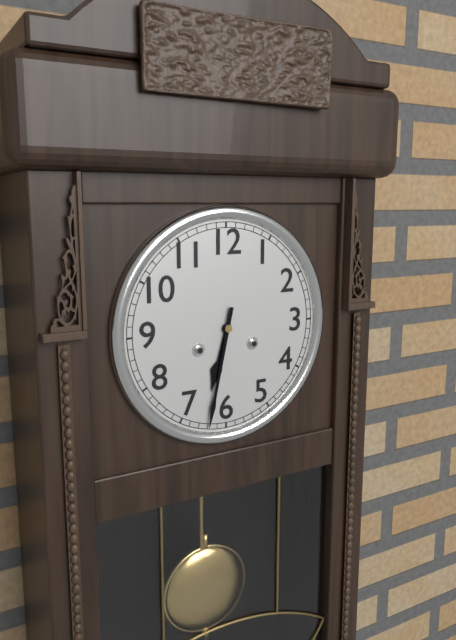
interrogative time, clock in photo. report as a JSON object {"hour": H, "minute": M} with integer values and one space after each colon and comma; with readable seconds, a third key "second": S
{"hour": 6, "minute": 32}
